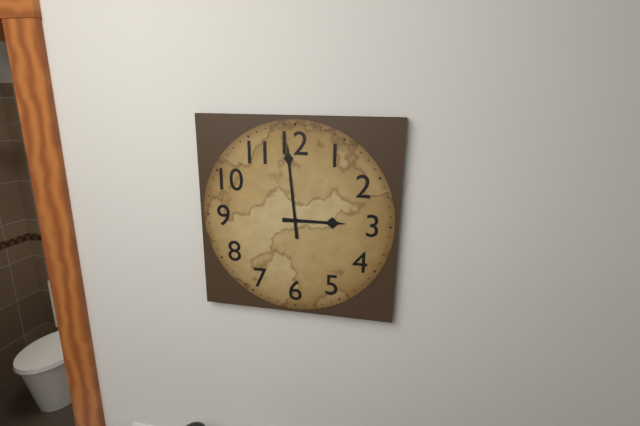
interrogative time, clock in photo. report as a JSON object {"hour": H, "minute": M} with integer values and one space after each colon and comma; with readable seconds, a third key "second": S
{"hour": 2, "minute": 59}
